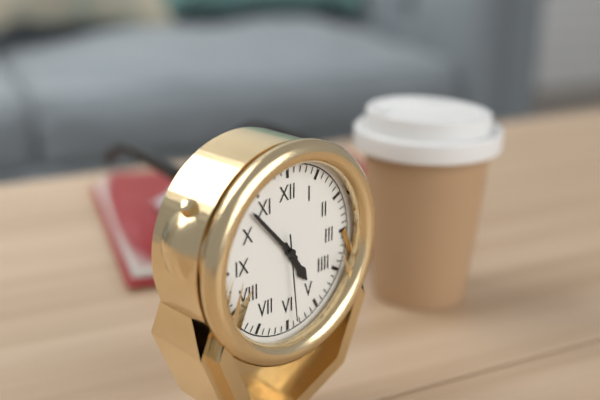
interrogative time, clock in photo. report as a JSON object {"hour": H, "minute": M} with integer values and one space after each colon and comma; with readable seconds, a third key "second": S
{"hour": 4, "minute": 53, "second": 29}
